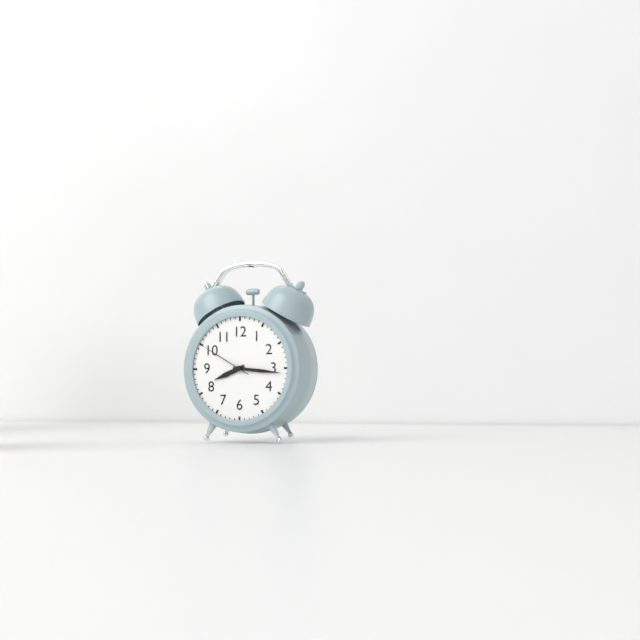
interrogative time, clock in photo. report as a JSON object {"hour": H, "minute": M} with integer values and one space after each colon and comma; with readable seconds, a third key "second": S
{"hour": 8, "minute": 16, "second": 50}
